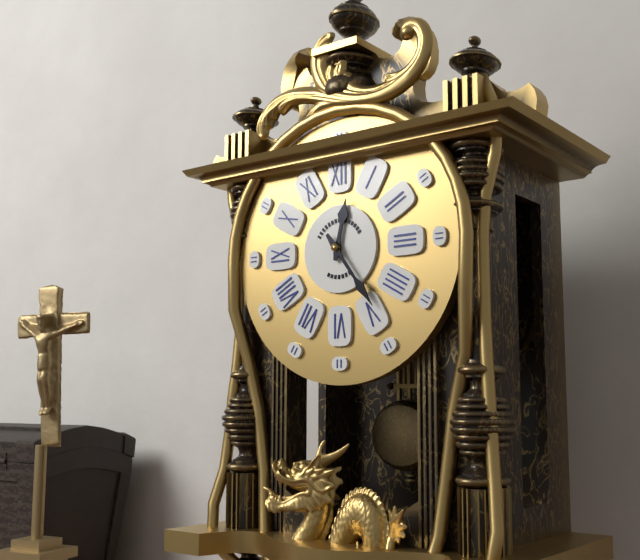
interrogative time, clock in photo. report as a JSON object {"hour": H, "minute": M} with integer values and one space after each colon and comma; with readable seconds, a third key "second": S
{"hour": 12, "minute": 24}
